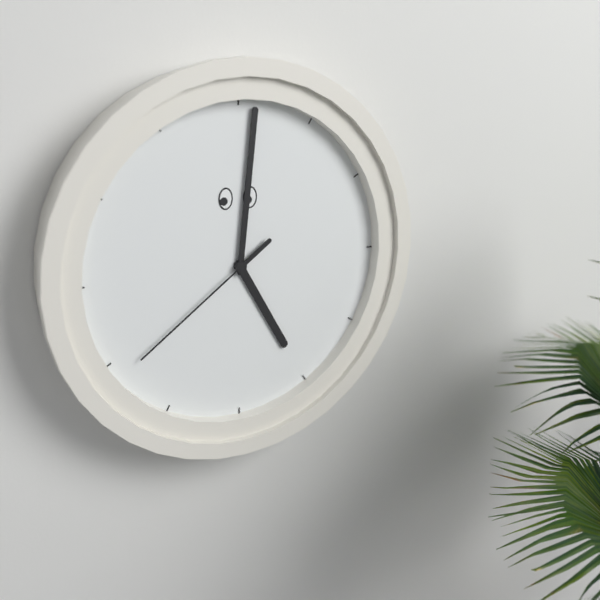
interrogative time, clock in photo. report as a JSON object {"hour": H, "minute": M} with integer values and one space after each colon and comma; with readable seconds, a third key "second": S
{"hour": 5, "minute": 1, "second": 39}
